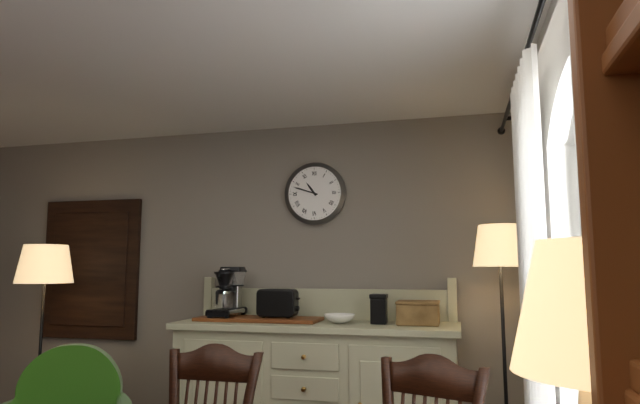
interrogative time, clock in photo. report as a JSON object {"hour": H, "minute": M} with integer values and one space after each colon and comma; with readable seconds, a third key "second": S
{"hour": 10, "minute": 48}
